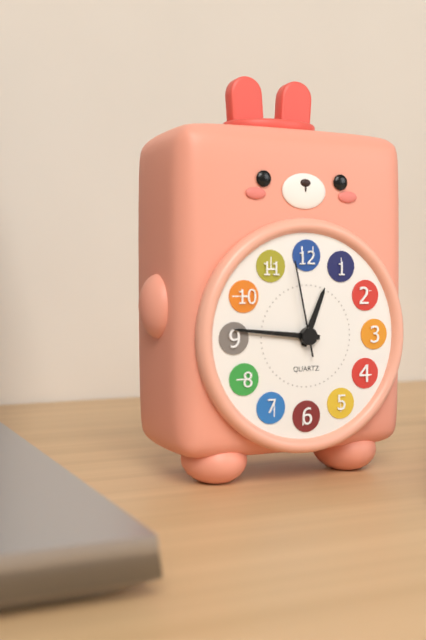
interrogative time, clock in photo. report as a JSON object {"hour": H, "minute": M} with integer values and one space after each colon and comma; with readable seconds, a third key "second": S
{"hour": 12, "minute": 46, "second": 58}
